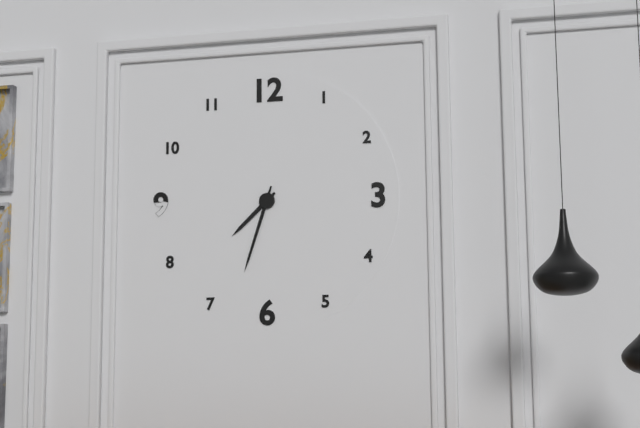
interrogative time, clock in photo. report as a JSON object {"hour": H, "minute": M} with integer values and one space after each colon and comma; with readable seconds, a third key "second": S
{"hour": 7, "minute": 33}
